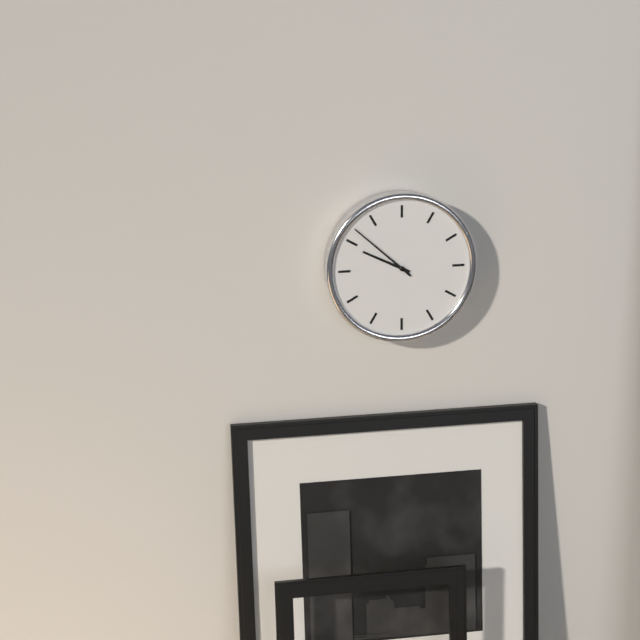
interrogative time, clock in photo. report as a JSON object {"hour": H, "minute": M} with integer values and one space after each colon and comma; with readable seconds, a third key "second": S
{"hour": 9, "minute": 52}
